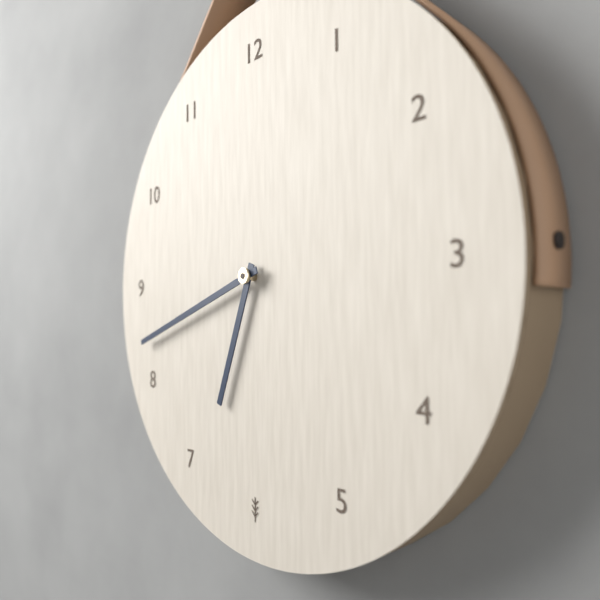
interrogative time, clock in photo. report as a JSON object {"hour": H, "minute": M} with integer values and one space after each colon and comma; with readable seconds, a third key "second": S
{"hour": 6, "minute": 42}
